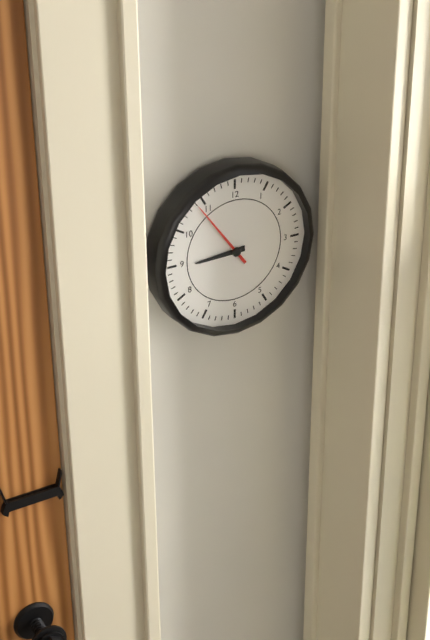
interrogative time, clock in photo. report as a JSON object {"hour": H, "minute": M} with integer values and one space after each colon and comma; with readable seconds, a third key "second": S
{"hour": 8, "minute": 54}
